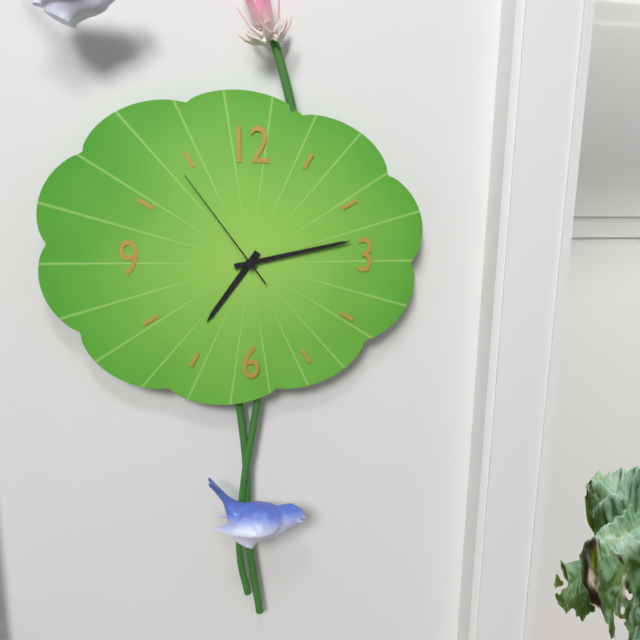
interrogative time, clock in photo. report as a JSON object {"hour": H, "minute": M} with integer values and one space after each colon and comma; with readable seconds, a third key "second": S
{"hour": 7, "minute": 13, "second": 54}
